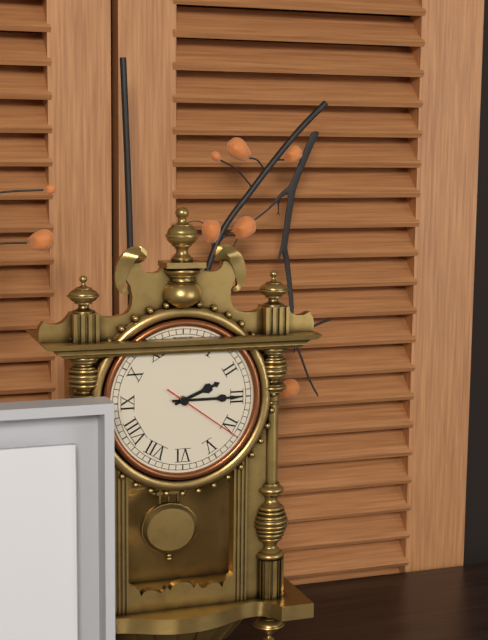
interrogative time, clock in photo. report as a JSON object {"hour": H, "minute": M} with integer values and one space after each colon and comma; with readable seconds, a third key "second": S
{"hour": 2, "minute": 15, "second": 21}
